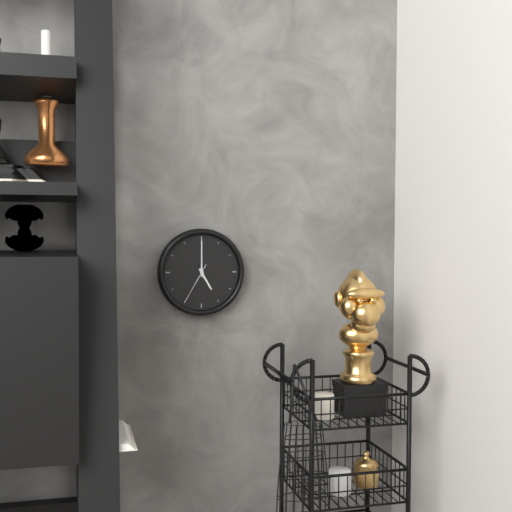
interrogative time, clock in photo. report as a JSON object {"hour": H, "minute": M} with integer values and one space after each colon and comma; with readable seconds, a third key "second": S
{"hour": 5, "minute": 0}
